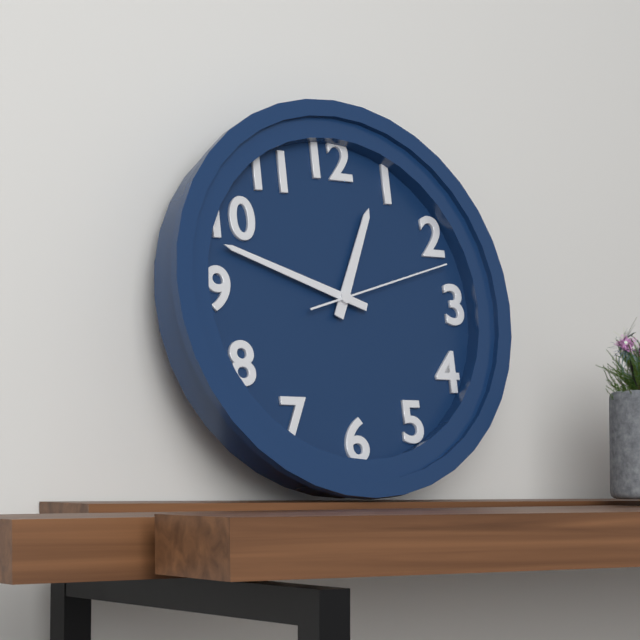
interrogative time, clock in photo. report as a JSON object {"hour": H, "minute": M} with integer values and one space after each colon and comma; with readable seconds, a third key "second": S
{"hour": 12, "minute": 48, "second": 12}
